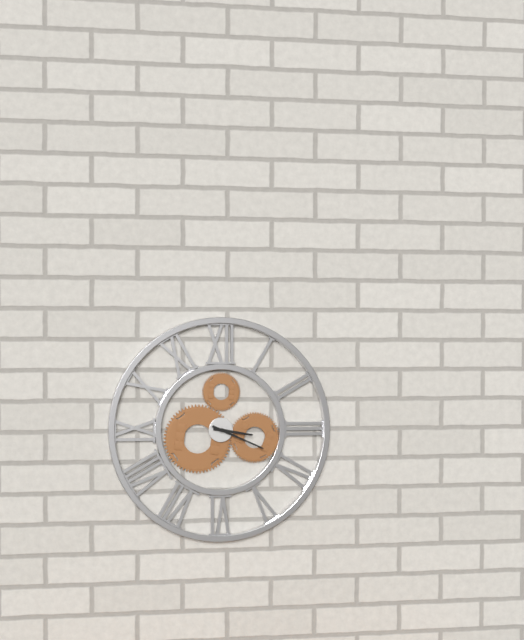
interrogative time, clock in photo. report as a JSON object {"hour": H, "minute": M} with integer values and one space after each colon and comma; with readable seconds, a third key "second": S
{"hour": 3, "minute": 19}
